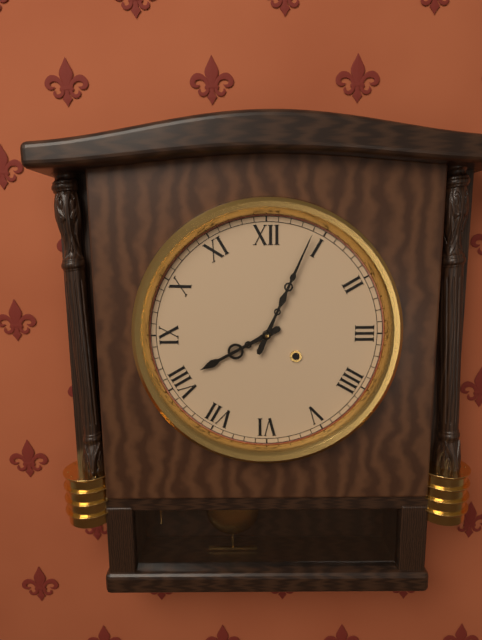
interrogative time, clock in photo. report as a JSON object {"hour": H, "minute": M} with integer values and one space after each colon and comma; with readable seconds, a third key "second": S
{"hour": 8, "minute": 4}
